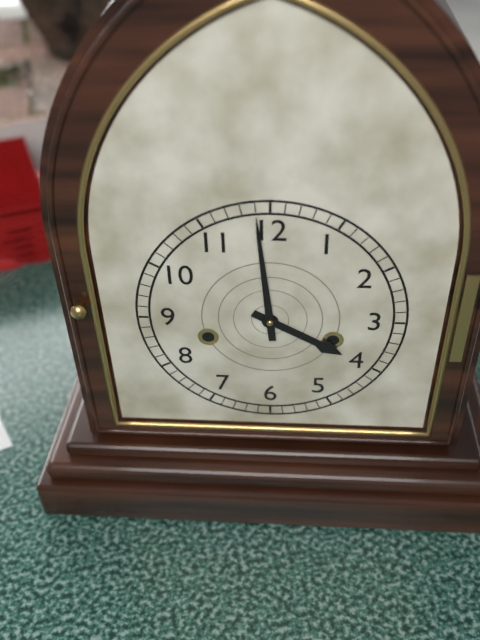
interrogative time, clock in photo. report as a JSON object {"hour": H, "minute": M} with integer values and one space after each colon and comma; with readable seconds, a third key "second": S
{"hour": 3, "minute": 59}
